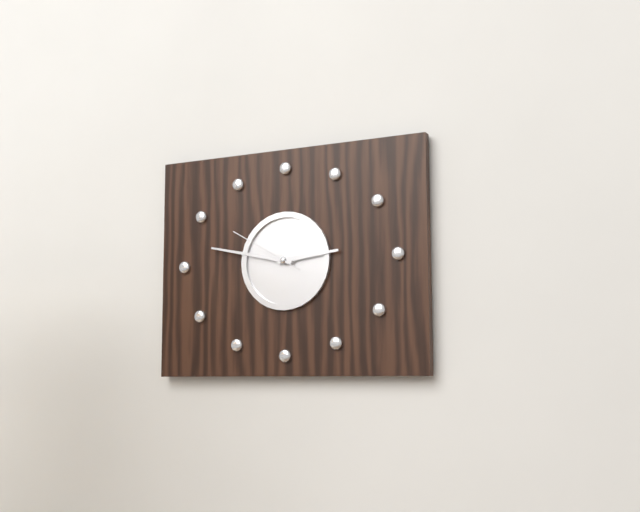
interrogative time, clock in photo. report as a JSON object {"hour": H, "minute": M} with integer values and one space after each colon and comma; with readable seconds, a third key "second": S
{"hour": 2, "minute": 47, "second": 50}
